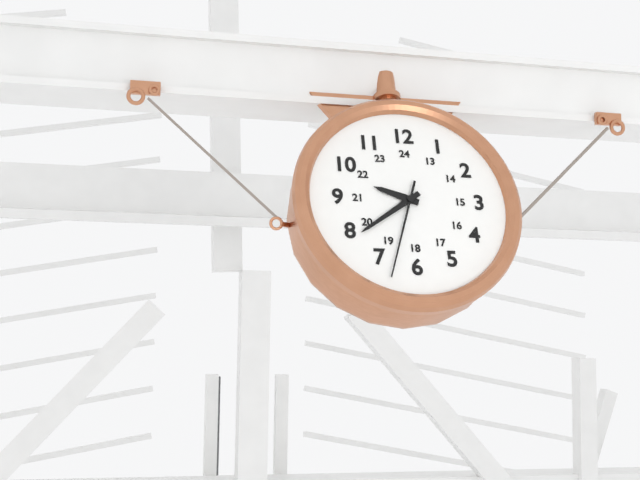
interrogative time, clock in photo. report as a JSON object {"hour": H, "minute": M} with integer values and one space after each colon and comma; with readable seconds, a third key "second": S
{"hour": 9, "minute": 39, "second": 33}
